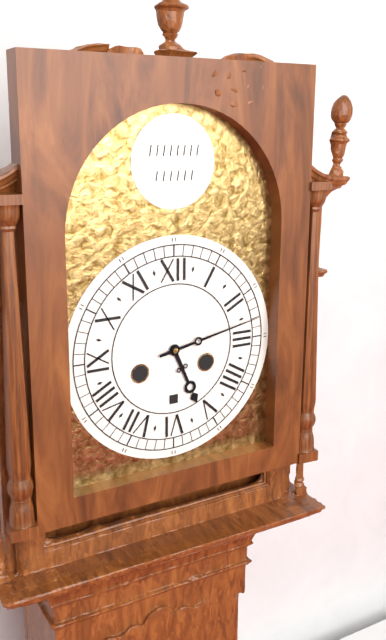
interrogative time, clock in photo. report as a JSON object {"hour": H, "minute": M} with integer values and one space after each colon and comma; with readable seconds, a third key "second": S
{"hour": 5, "minute": 13}
